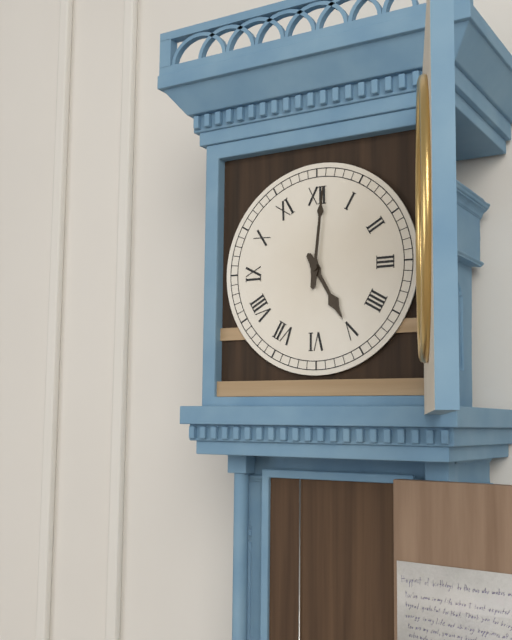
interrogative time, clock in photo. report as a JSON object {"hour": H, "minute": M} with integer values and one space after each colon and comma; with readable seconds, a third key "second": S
{"hour": 5, "minute": 1}
